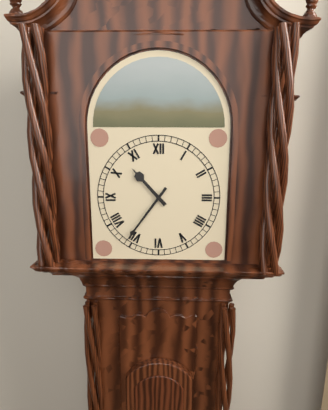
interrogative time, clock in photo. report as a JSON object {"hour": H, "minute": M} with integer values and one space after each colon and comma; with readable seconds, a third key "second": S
{"hour": 10, "minute": 36}
